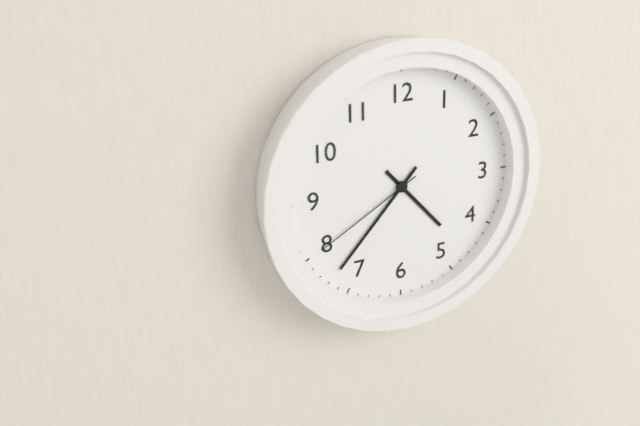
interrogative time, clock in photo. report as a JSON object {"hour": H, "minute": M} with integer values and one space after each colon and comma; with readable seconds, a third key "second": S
{"hour": 4, "minute": 37, "second": 40}
